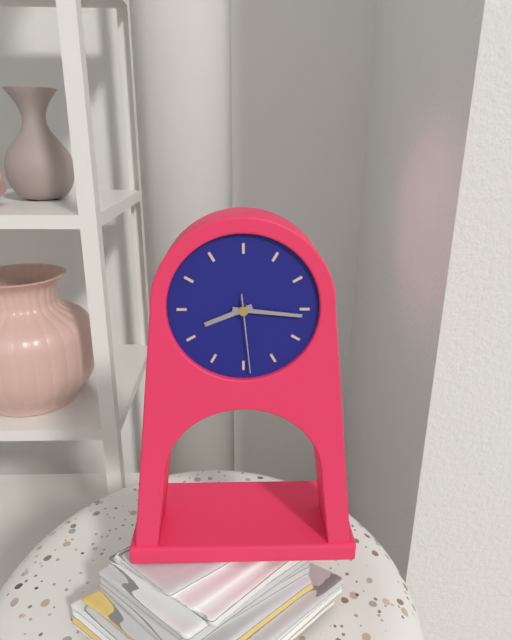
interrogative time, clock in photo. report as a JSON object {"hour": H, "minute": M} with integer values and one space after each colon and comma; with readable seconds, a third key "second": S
{"hour": 8, "minute": 16, "second": 29}
